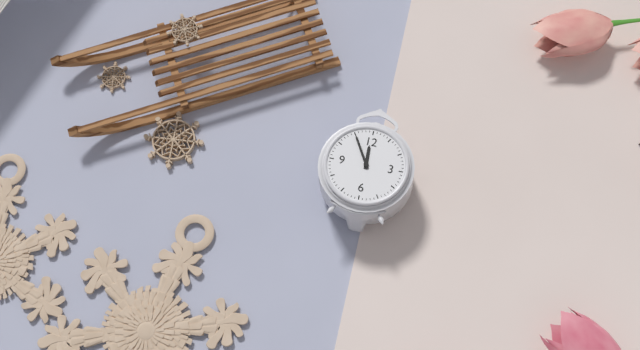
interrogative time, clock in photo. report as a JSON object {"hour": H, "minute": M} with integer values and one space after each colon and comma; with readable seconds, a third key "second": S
{"hour": 11, "minute": 55}
